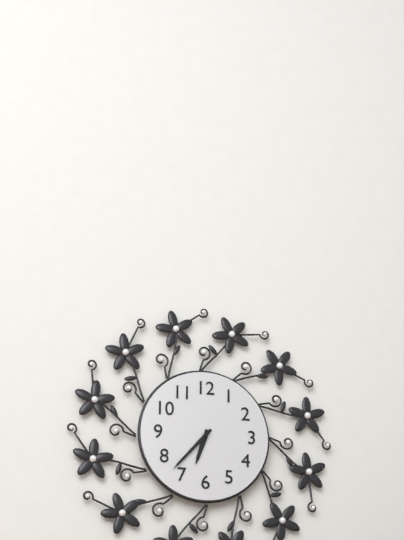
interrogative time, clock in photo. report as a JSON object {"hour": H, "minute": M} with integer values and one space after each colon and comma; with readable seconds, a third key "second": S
{"hour": 6, "minute": 37}
